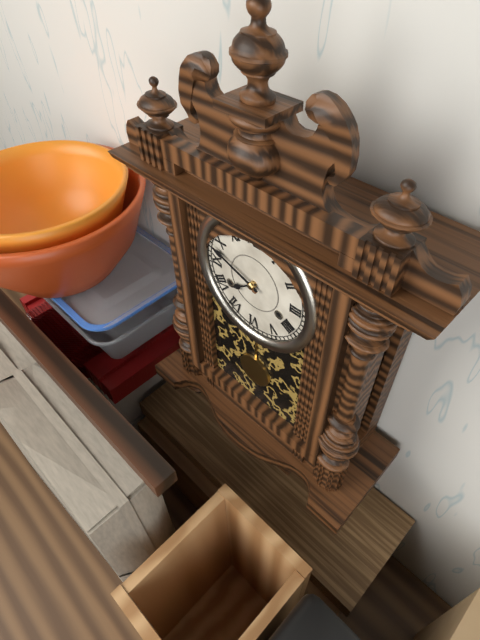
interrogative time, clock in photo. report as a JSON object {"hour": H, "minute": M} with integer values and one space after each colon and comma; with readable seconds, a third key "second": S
{"hour": 7, "minute": 48}
